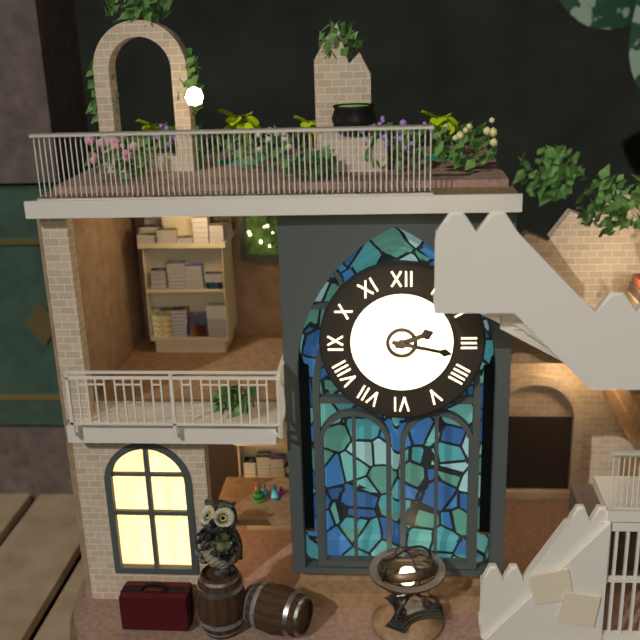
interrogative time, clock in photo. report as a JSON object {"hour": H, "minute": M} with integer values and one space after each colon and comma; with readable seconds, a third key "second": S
{"hour": 2, "minute": 17}
